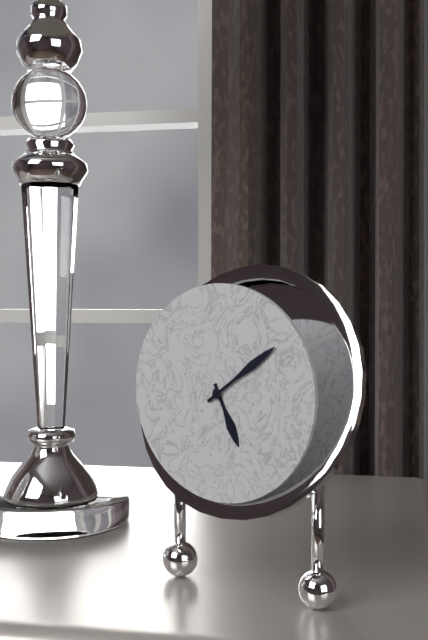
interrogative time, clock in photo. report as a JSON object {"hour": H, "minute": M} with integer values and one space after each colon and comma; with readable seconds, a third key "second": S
{"hour": 5, "minute": 9}
